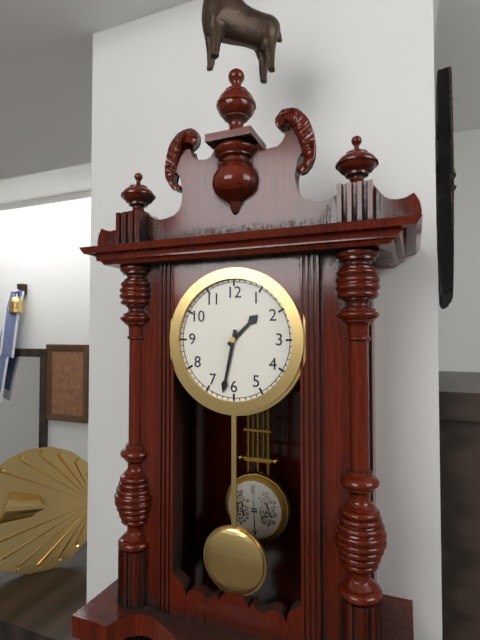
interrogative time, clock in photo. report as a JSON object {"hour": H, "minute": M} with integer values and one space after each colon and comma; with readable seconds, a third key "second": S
{"hour": 1, "minute": 32}
